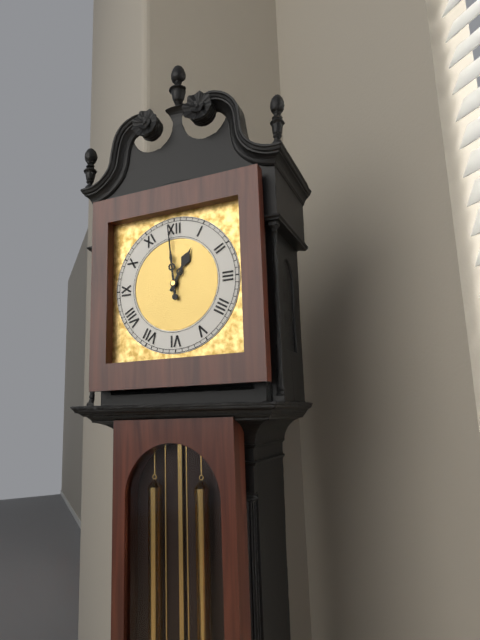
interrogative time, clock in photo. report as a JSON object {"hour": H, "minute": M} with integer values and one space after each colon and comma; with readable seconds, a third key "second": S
{"hour": 12, "minute": 59}
